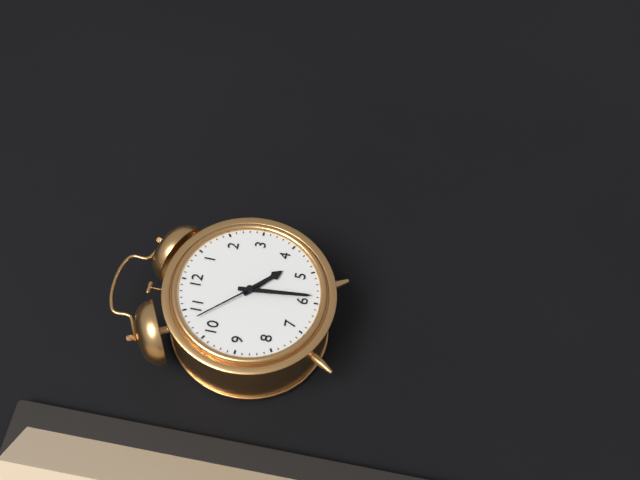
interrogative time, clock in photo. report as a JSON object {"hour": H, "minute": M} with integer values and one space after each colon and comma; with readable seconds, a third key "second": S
{"hour": 4, "minute": 29, "second": 53}
